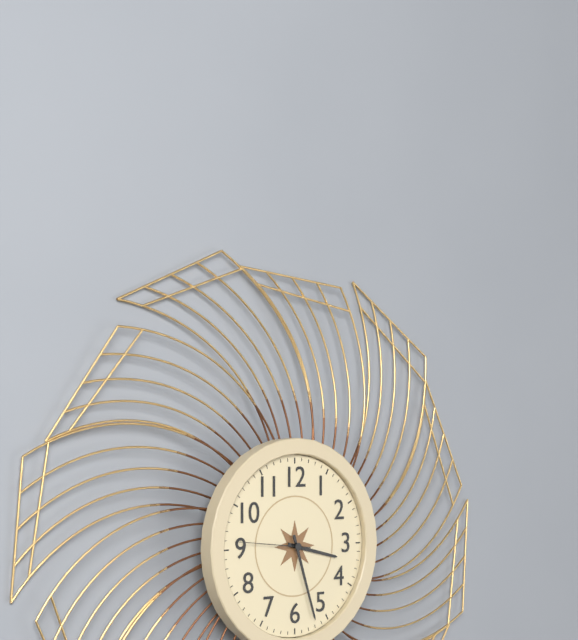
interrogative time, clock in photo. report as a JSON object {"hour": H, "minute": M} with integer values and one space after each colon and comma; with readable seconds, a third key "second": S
{"hour": 3, "minute": 27, "second": 46}
